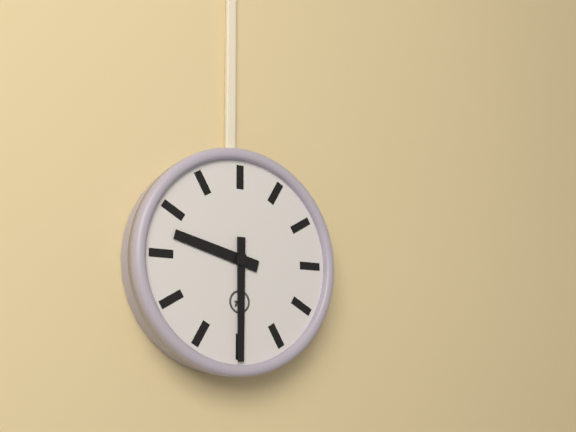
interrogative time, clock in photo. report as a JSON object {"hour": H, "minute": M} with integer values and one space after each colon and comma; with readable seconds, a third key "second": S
{"hour": 9, "minute": 30}
